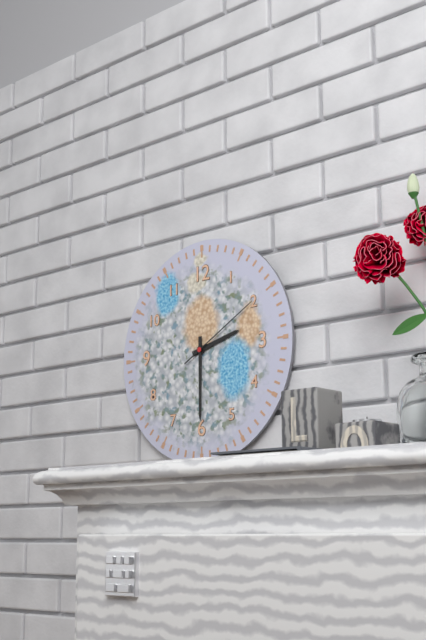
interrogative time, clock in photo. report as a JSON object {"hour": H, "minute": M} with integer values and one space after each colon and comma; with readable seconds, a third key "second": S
{"hour": 2, "minute": 30, "second": 10}
